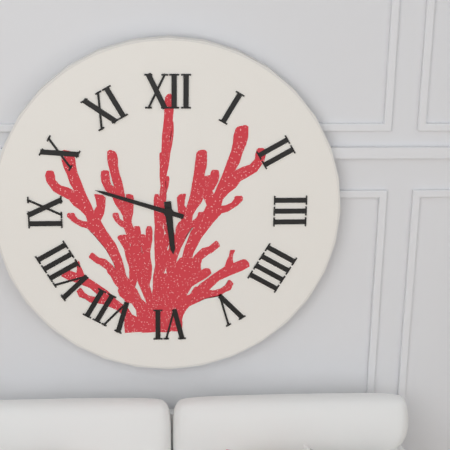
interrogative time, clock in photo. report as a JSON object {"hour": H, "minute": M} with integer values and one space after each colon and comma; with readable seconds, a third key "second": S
{"hour": 5, "minute": 48}
